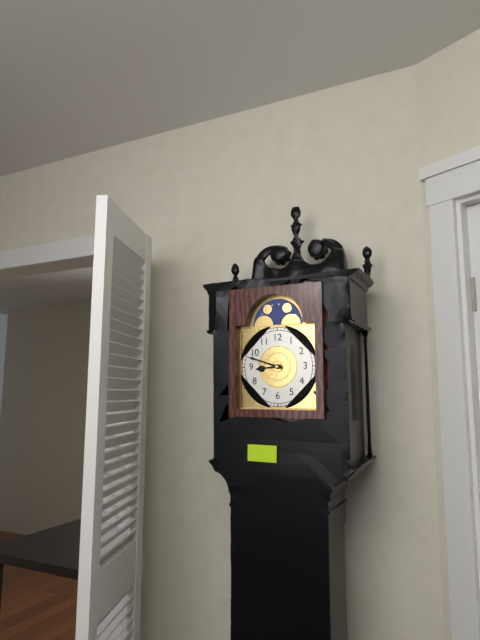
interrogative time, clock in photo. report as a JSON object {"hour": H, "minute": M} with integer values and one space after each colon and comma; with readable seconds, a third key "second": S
{"hour": 8, "minute": 48}
